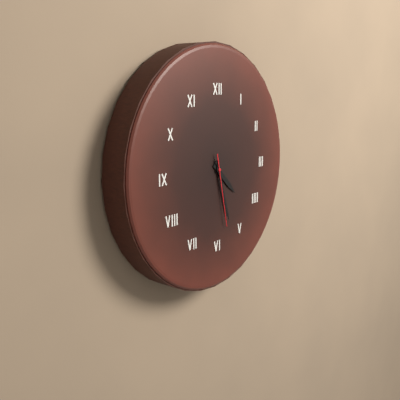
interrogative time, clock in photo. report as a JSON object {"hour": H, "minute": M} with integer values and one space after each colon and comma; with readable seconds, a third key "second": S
{"hour": 4, "minute": 27, "second": 28}
